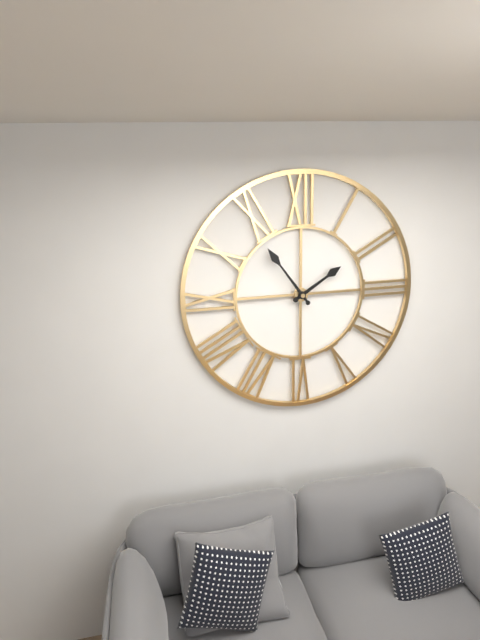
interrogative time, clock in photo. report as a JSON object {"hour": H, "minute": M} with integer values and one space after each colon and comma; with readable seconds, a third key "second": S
{"hour": 1, "minute": 54}
